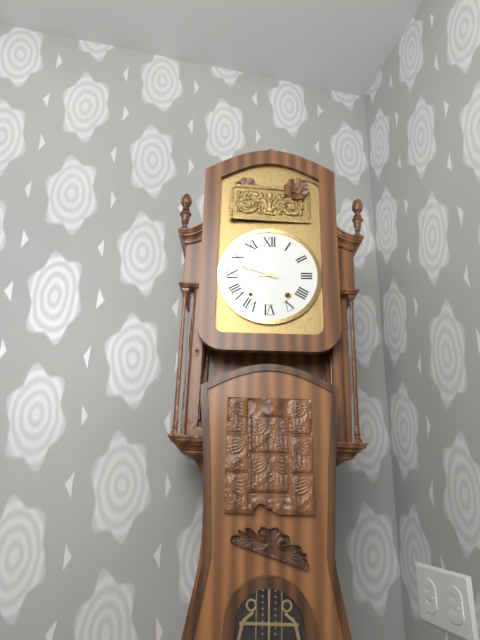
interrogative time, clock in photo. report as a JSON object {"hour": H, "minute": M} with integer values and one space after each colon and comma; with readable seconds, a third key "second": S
{"hour": 8, "minute": 48}
